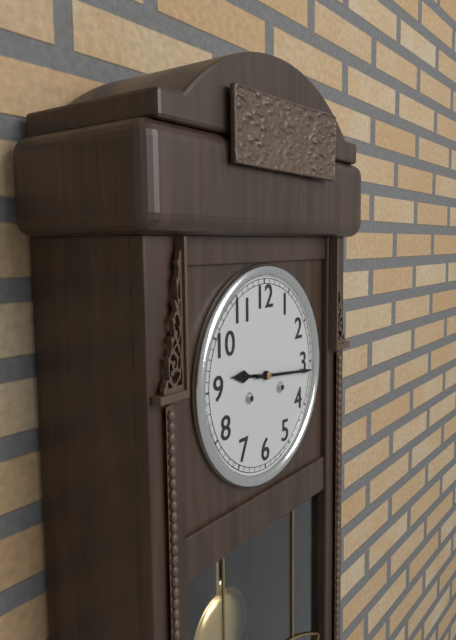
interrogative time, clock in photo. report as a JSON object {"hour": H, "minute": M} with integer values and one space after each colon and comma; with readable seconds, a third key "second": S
{"hour": 9, "minute": 16}
